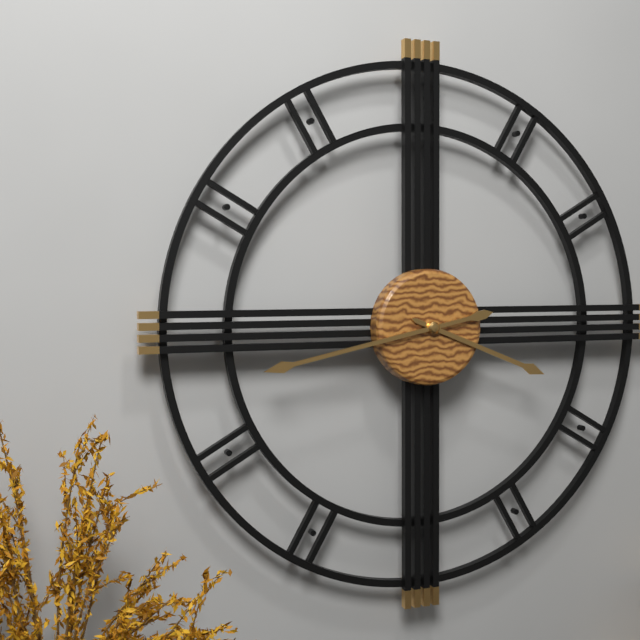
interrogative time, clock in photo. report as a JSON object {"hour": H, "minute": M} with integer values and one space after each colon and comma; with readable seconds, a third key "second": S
{"hour": 3, "minute": 43}
